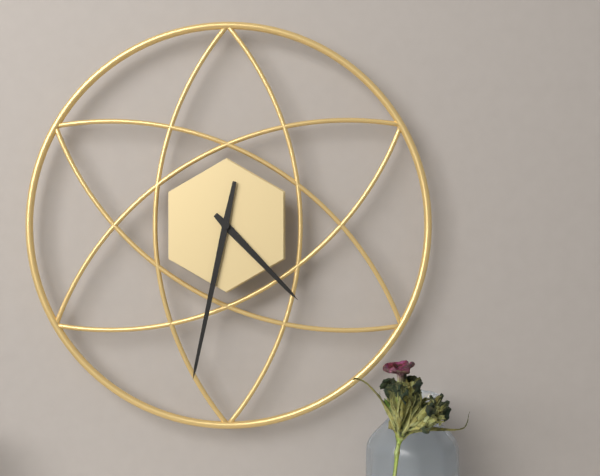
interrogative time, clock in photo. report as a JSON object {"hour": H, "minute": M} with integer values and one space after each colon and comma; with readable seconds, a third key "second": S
{"hour": 4, "minute": 32}
